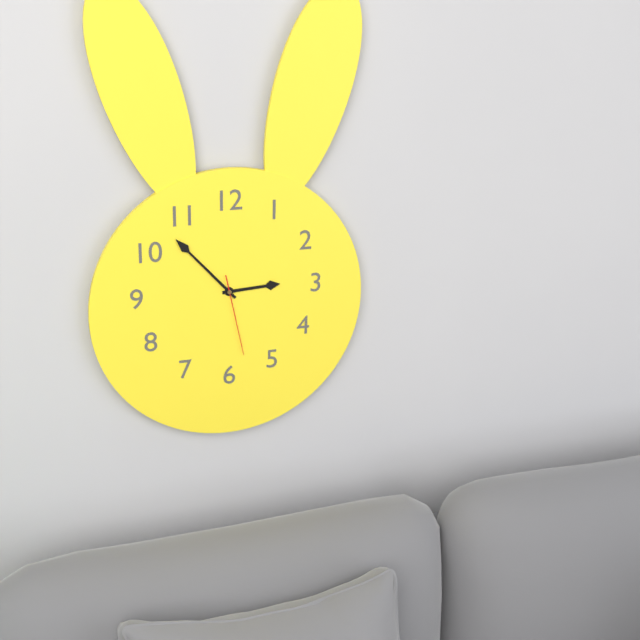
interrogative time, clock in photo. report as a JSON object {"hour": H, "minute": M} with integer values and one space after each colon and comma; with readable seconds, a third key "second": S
{"hour": 2, "minute": 53, "second": 28}
